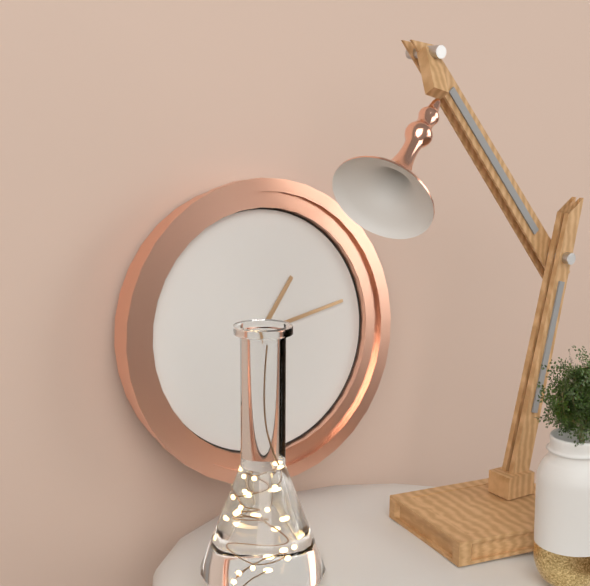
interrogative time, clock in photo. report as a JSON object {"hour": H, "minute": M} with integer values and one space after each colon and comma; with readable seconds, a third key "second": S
{"hour": 1, "minute": 13}
